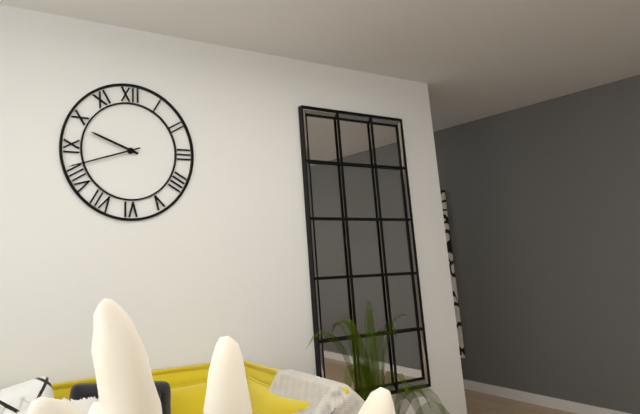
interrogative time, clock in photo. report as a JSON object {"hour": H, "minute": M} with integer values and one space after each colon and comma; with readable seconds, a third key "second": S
{"hour": 9, "minute": 42}
